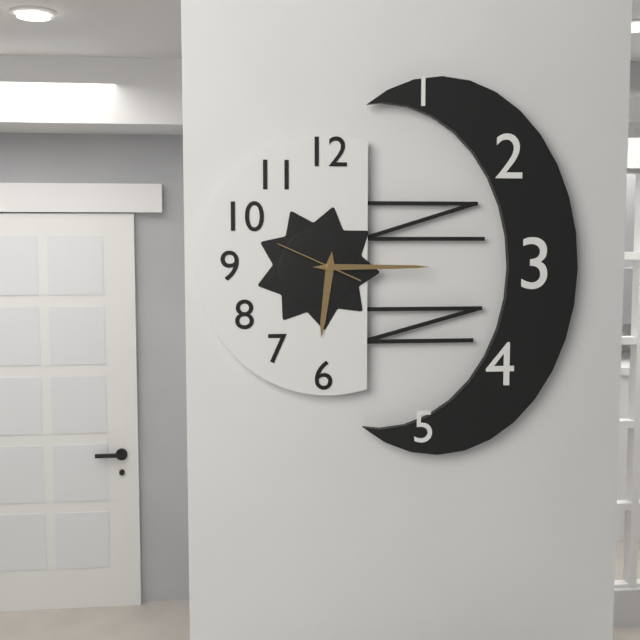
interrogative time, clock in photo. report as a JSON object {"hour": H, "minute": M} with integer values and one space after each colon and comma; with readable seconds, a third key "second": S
{"hour": 6, "minute": 15, "second": 49}
